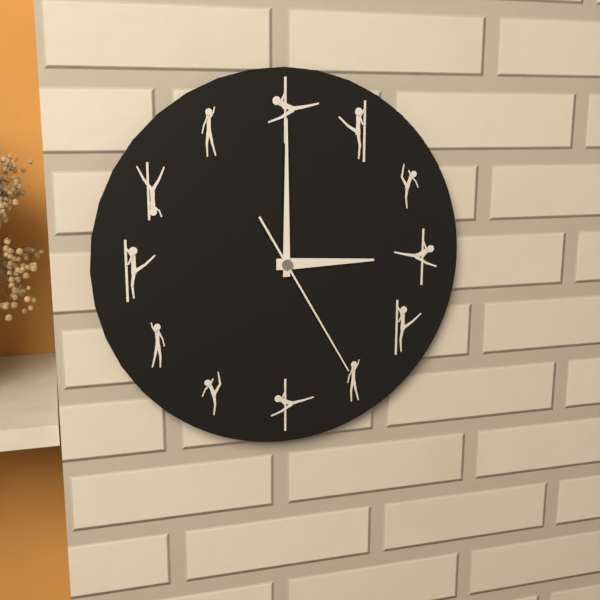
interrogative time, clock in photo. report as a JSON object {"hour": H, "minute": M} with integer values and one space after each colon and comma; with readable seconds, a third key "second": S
{"hour": 3, "minute": 0, "second": 25}
